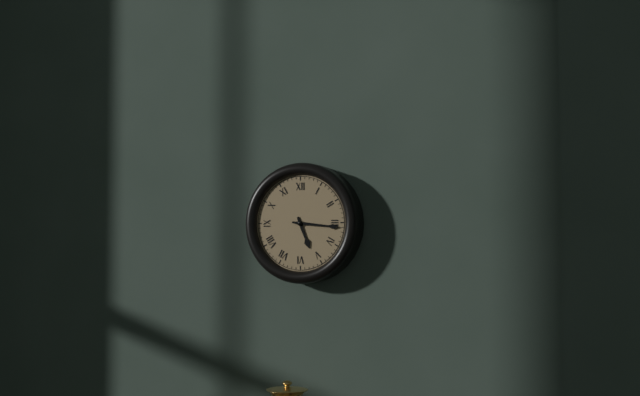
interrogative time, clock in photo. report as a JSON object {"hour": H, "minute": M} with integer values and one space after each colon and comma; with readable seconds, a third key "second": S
{"hour": 5, "minute": 16}
